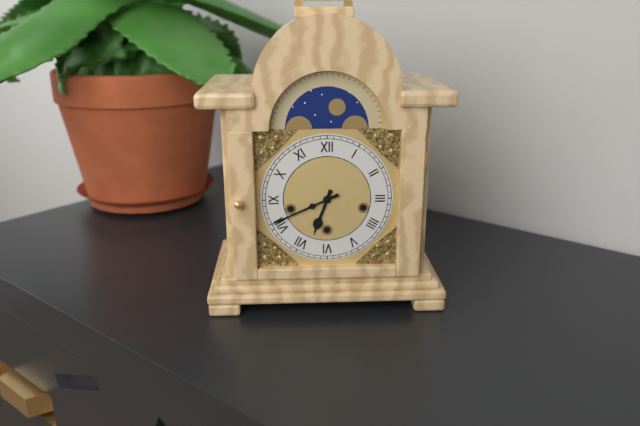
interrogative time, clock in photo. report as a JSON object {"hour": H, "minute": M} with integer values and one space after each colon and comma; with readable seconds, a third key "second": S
{"hour": 6, "minute": 41}
